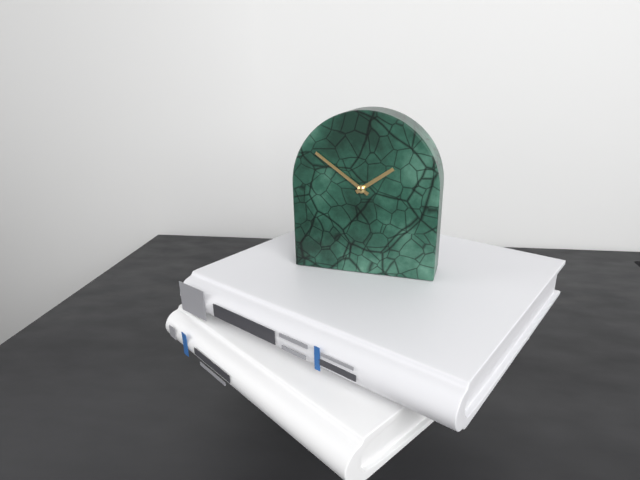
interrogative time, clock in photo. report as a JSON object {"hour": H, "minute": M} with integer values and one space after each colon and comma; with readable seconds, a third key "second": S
{"hour": 1, "minute": 51}
